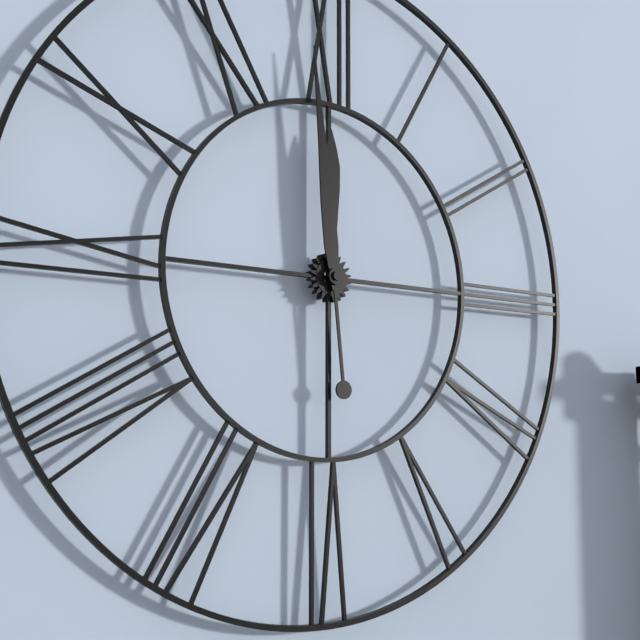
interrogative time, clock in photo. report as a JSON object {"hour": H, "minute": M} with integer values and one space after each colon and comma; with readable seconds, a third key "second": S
{"hour": 11, "minute": 59}
